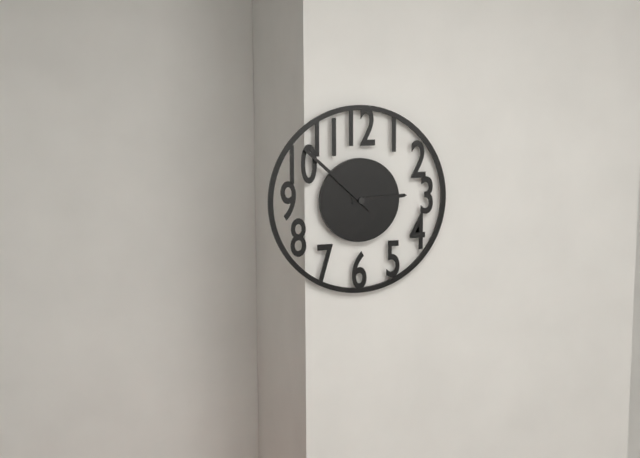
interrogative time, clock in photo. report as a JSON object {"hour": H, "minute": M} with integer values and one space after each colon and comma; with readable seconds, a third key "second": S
{"hour": 2, "minute": 52}
